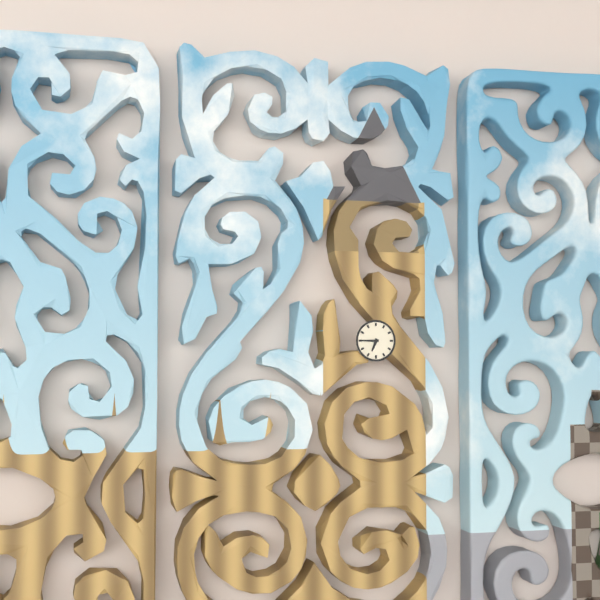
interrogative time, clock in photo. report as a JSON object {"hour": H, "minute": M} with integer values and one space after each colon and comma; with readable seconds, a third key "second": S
{"hour": 6, "minute": 45}
